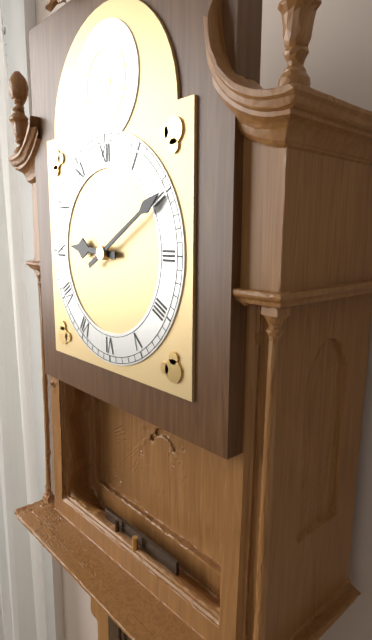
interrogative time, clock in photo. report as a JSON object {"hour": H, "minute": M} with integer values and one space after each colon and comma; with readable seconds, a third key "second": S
{"hour": 9, "minute": 10}
